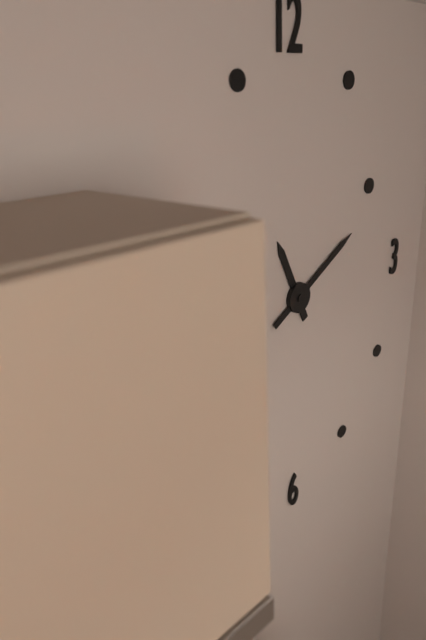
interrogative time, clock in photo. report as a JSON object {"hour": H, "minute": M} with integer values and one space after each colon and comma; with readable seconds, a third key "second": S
{"hour": 11, "minute": 10}
